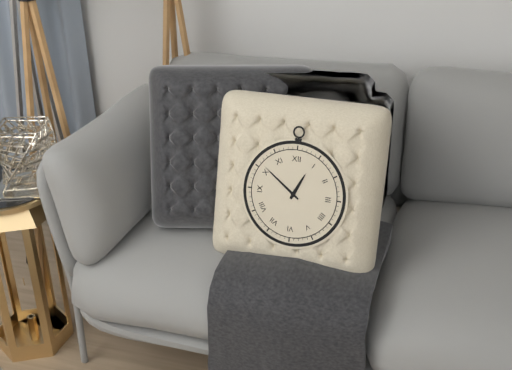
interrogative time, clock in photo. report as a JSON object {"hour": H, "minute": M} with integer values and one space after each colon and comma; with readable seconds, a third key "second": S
{"hour": 12, "minute": 51}
